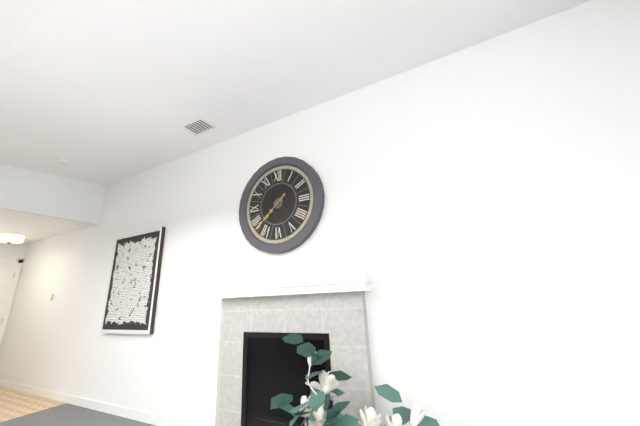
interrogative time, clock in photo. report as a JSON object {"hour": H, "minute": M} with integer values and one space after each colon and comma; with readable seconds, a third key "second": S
{"hour": 7, "minute": 38}
